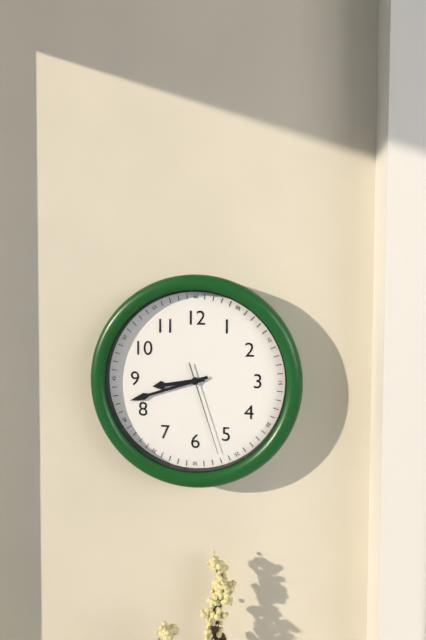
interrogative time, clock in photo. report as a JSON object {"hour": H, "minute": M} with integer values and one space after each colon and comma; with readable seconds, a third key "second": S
{"hour": 8, "minute": 42, "second": 27}
